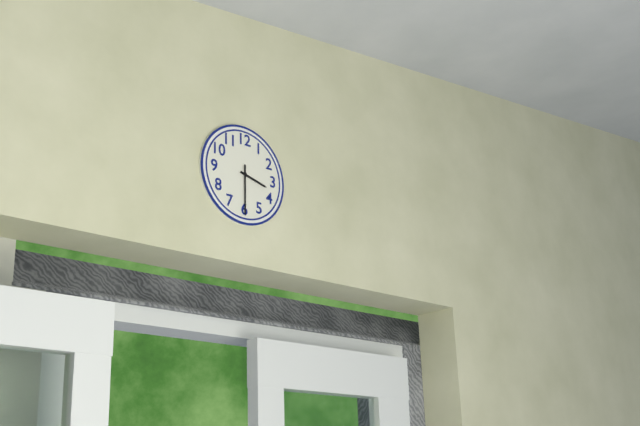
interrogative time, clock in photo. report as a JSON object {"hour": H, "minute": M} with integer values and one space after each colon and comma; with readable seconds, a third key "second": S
{"hour": 3, "minute": 30}
